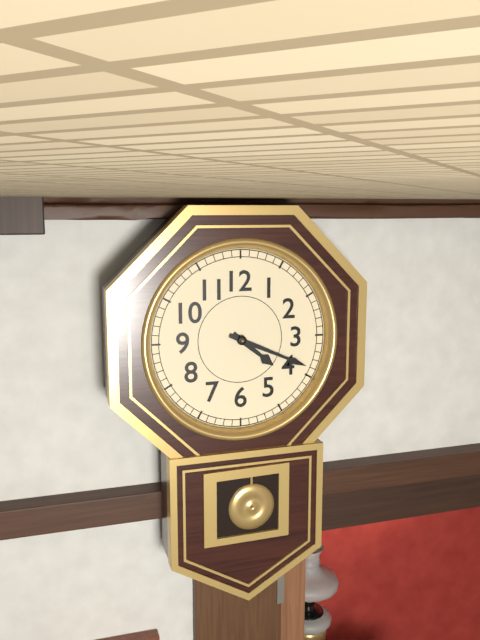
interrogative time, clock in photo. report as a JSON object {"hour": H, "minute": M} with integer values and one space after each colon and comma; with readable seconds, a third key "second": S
{"hour": 4, "minute": 19}
